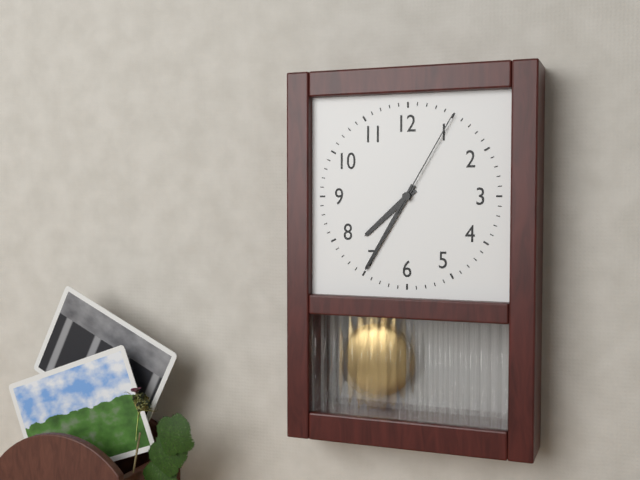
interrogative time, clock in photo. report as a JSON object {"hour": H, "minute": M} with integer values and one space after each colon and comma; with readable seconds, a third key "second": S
{"hour": 7, "minute": 35, "second": 5}
